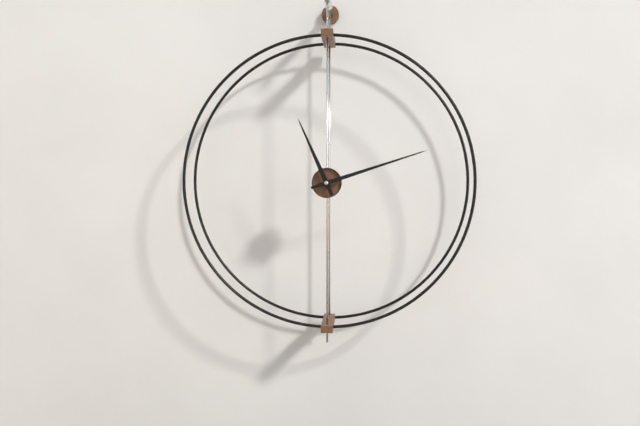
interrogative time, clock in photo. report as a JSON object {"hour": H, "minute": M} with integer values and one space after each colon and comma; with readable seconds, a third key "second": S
{"hour": 11, "minute": 12}
